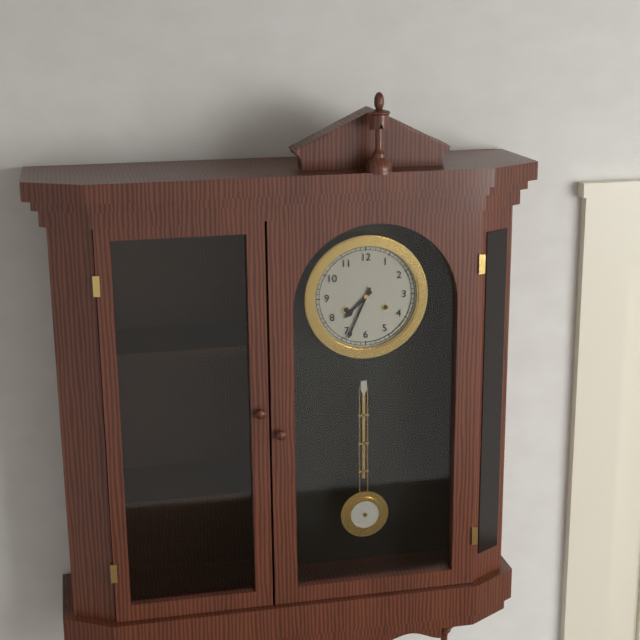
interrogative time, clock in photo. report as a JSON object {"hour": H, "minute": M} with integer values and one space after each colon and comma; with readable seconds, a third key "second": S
{"hour": 7, "minute": 34}
